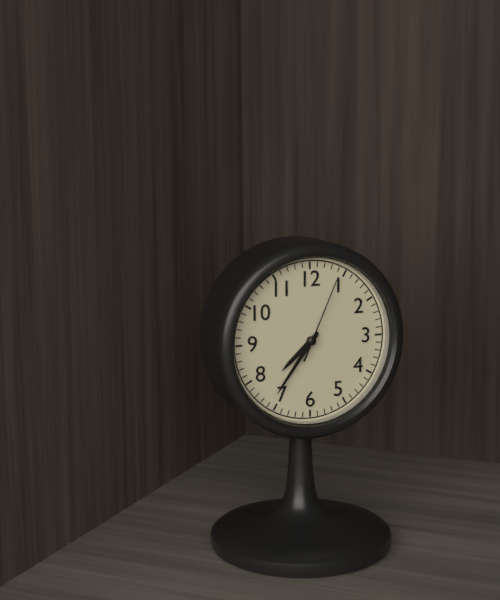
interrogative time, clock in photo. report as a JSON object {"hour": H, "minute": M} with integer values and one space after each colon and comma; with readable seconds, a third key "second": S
{"hour": 7, "minute": 36, "second": 4}
